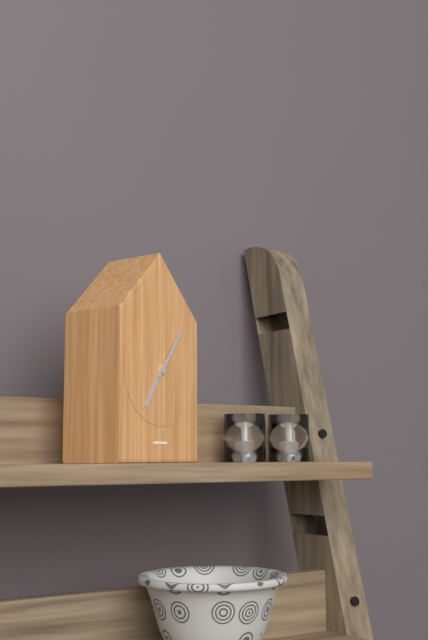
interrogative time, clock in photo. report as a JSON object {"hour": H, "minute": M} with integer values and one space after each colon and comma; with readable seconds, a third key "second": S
{"hour": 7, "minute": 6}
